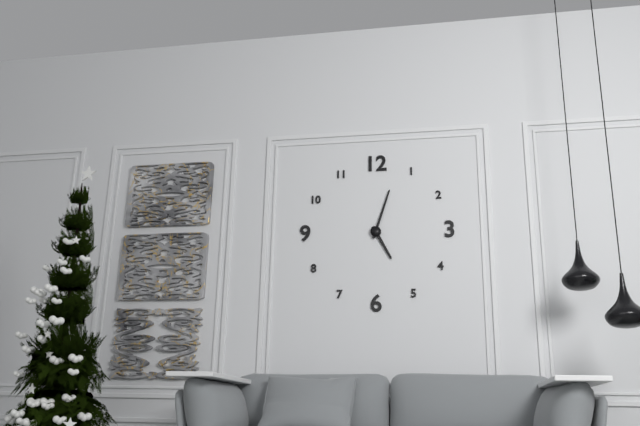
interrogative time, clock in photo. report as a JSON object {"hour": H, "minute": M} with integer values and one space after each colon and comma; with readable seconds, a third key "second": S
{"hour": 5, "minute": 3}
